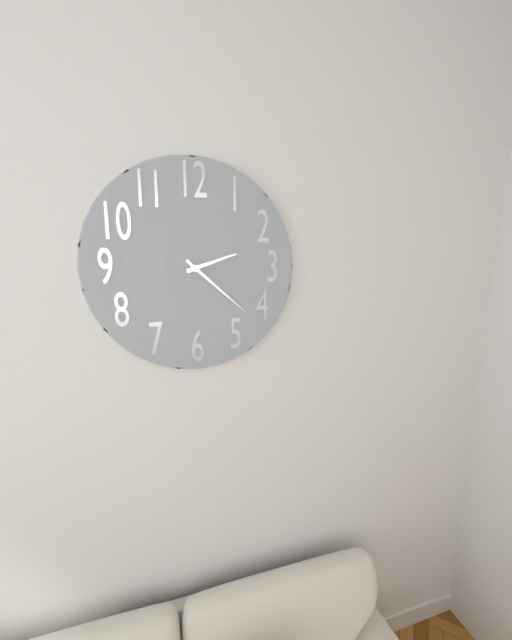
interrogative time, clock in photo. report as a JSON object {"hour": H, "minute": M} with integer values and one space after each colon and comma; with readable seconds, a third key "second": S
{"hour": 2, "minute": 22}
